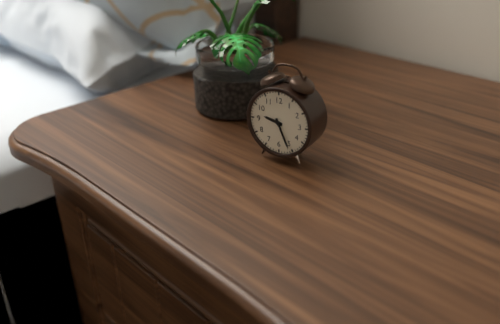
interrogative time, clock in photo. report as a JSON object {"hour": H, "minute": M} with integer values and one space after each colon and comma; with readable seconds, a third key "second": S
{"hour": 9, "minute": 26}
